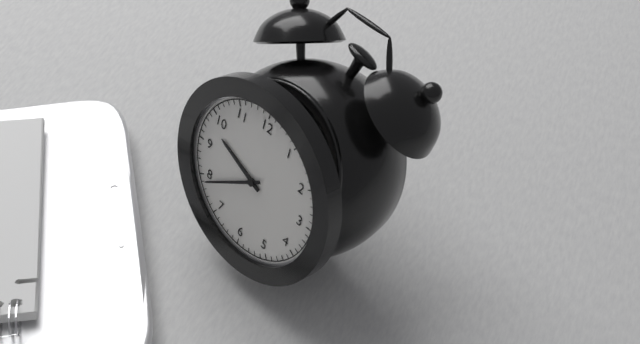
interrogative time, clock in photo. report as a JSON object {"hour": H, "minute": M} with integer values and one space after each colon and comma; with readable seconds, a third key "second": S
{"hour": 9, "minute": 39}
